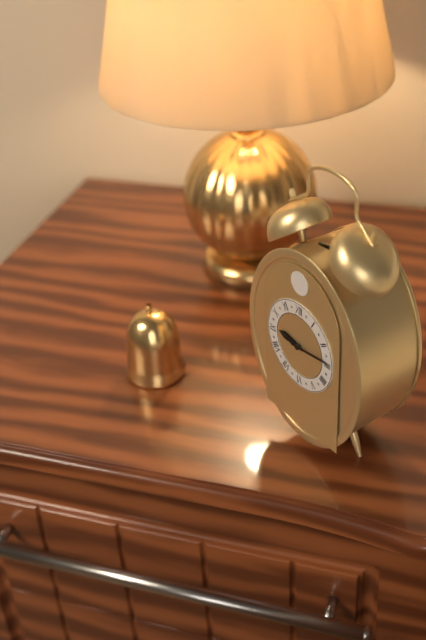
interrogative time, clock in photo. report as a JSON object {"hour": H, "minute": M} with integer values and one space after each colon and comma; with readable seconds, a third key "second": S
{"hour": 9, "minute": 14}
